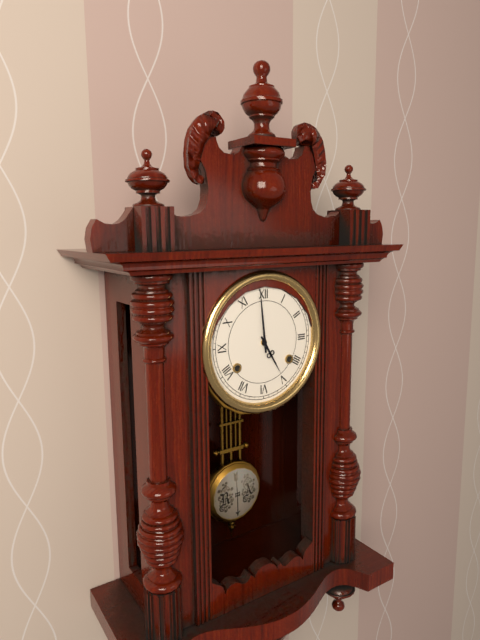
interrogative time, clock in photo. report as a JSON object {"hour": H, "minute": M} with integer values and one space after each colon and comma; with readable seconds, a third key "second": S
{"hour": 4, "minute": 59}
